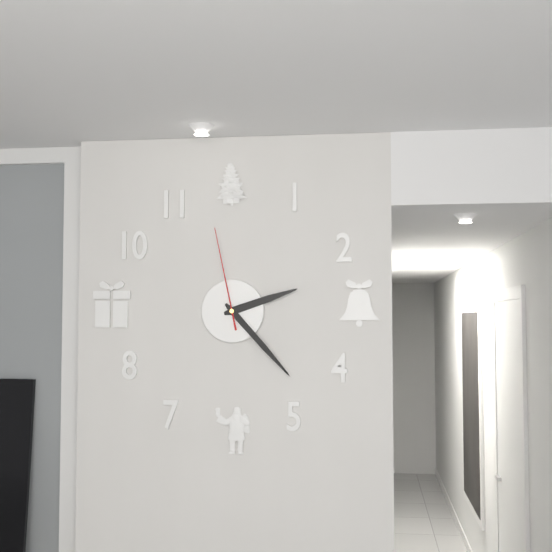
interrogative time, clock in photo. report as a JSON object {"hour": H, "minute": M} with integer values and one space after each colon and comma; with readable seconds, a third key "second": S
{"hour": 2, "minute": 23, "second": 58}
